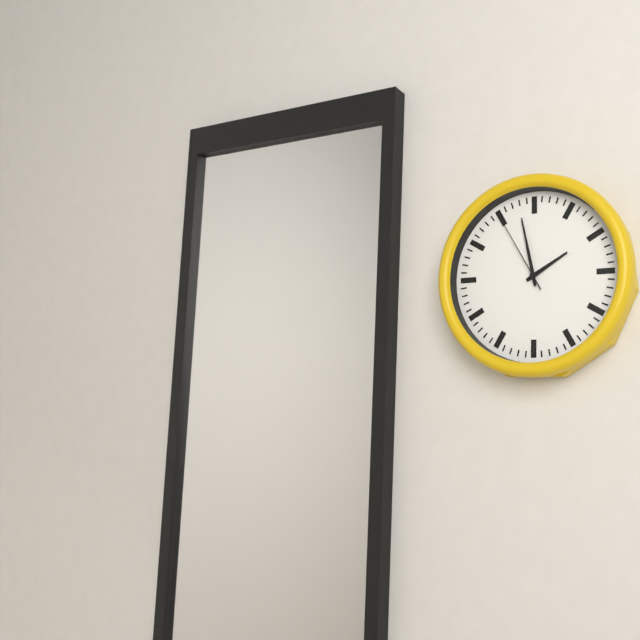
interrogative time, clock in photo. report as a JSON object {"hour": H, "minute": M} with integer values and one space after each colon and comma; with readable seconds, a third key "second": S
{"hour": 1, "minute": 58, "second": 55}
